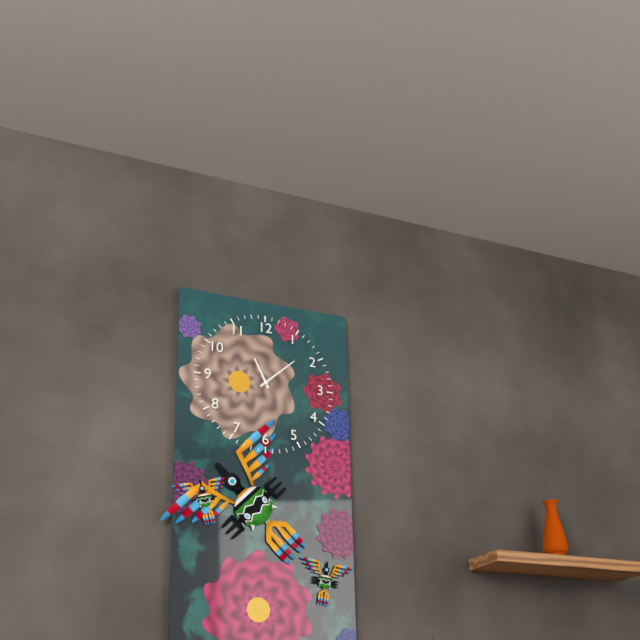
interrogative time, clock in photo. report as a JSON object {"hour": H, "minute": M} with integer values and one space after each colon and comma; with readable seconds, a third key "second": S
{"hour": 11, "minute": 8}
